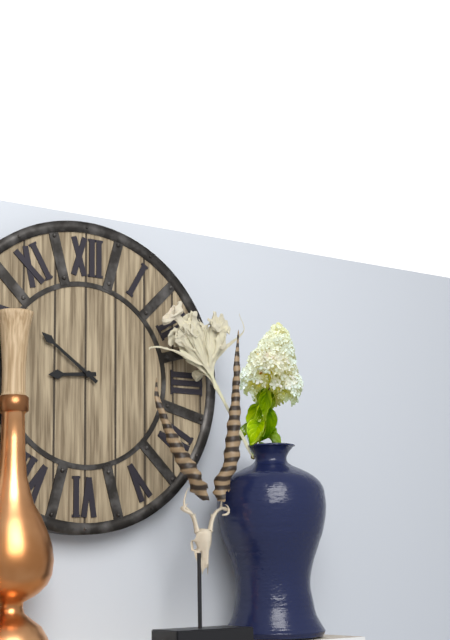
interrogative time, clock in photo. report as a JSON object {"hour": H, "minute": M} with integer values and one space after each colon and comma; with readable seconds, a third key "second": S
{"hour": 8, "minute": 51}
